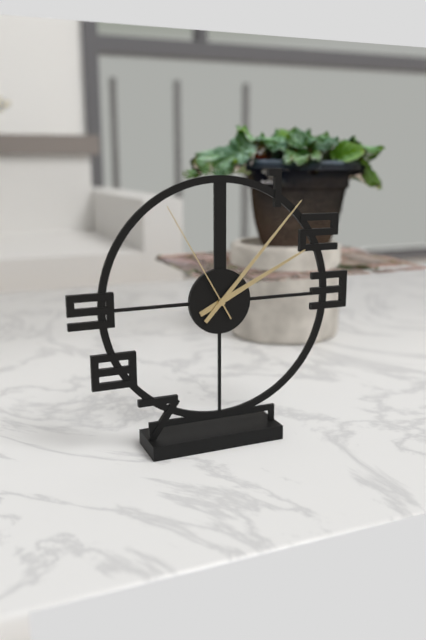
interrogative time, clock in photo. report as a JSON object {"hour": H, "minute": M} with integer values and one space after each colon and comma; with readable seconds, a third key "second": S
{"hour": 2, "minute": 7, "second": 55}
